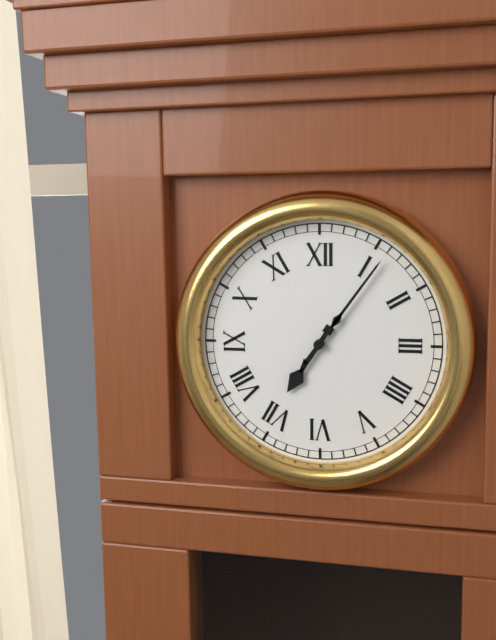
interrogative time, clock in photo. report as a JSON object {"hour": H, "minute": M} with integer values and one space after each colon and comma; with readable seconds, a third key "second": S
{"hour": 7, "minute": 6}
